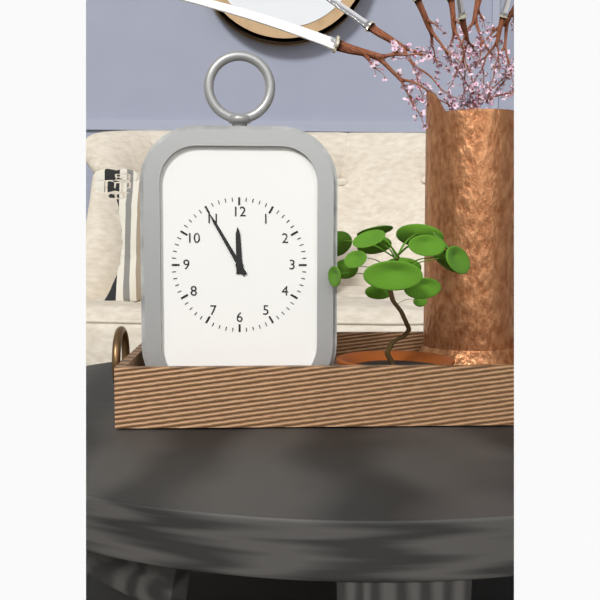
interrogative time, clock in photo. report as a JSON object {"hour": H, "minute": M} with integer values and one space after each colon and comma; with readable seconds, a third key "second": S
{"hour": 11, "minute": 55}
